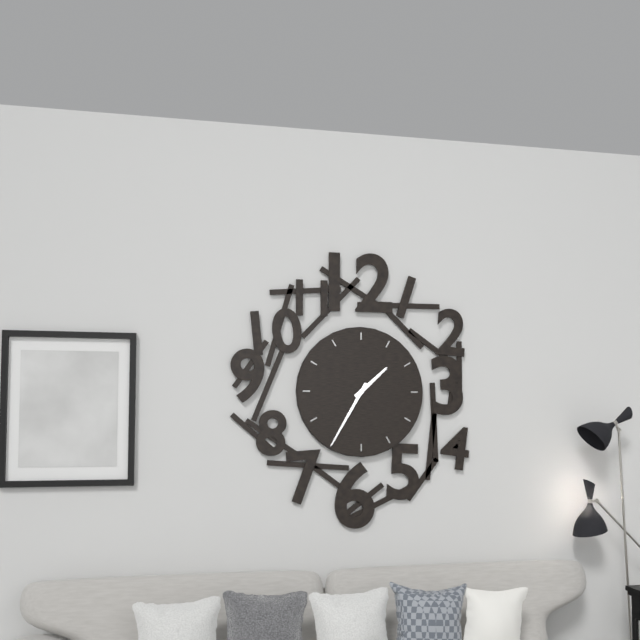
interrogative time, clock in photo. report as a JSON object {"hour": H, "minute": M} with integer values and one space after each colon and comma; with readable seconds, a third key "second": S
{"hour": 1, "minute": 35}
